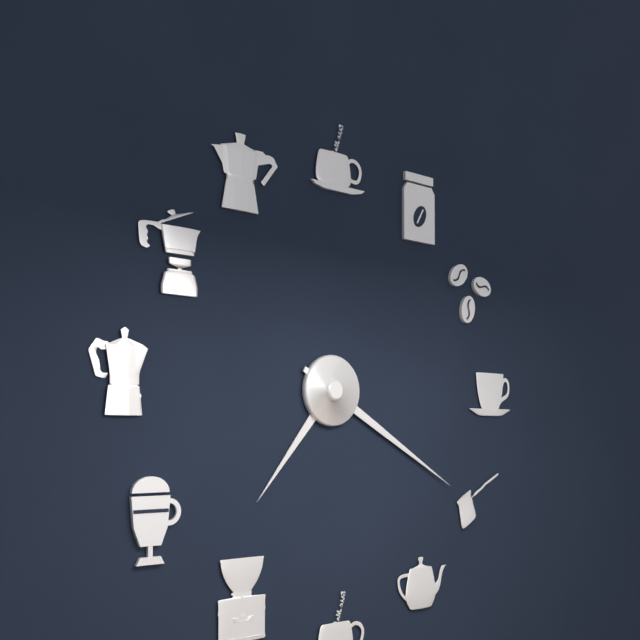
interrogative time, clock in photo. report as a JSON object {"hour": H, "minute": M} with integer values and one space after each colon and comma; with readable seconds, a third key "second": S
{"hour": 7, "minute": 20}
